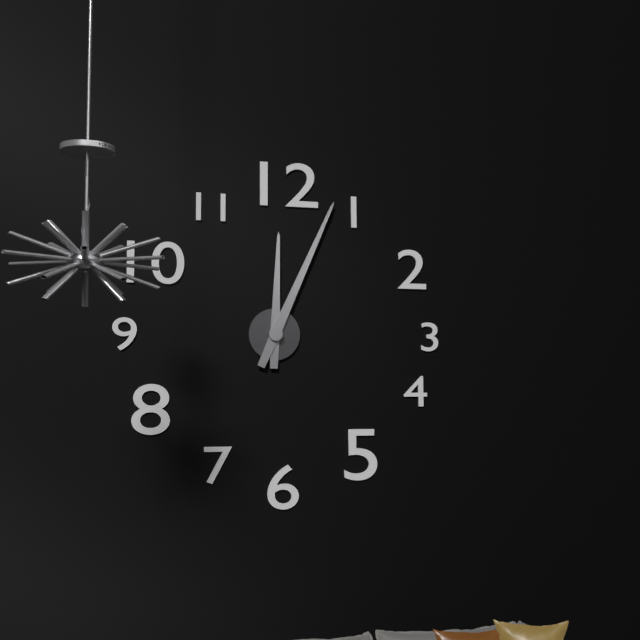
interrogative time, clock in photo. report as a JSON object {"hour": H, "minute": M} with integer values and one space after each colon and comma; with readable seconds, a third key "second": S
{"hour": 12, "minute": 4}
